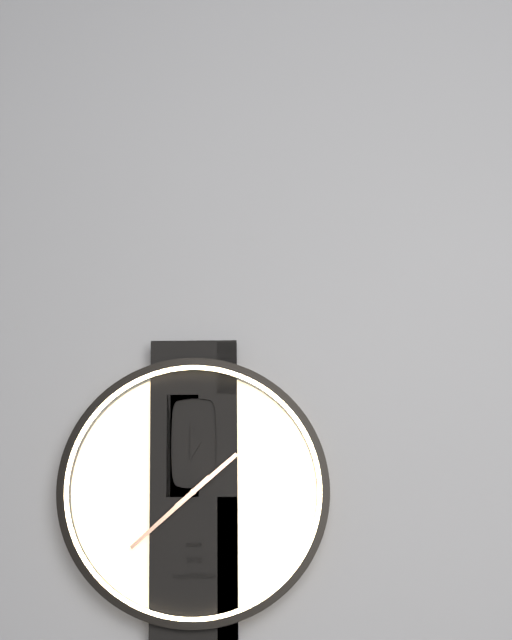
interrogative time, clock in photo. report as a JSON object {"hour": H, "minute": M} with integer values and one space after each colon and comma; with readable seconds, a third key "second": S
{"hour": 1, "minute": 38}
